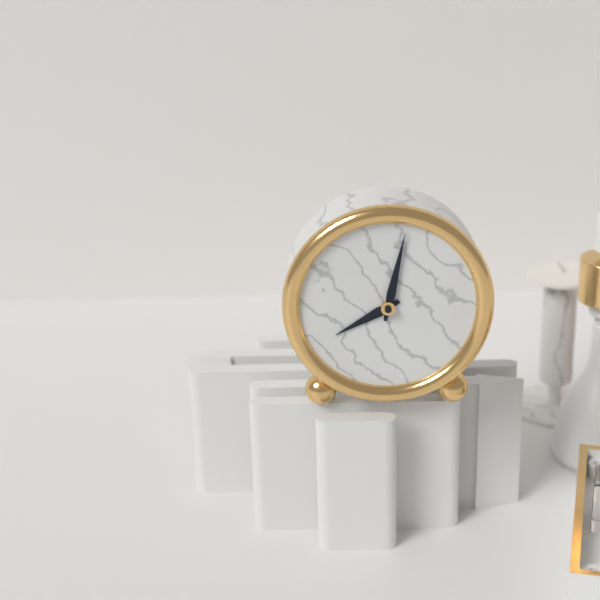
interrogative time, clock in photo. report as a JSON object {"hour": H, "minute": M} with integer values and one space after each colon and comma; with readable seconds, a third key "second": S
{"hour": 8, "minute": 2}
